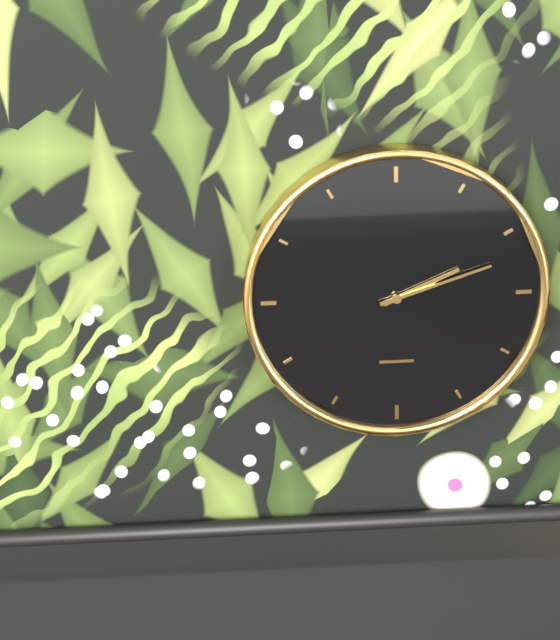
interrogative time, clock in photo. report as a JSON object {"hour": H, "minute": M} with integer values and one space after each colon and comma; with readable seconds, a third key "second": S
{"hour": 2, "minute": 12}
